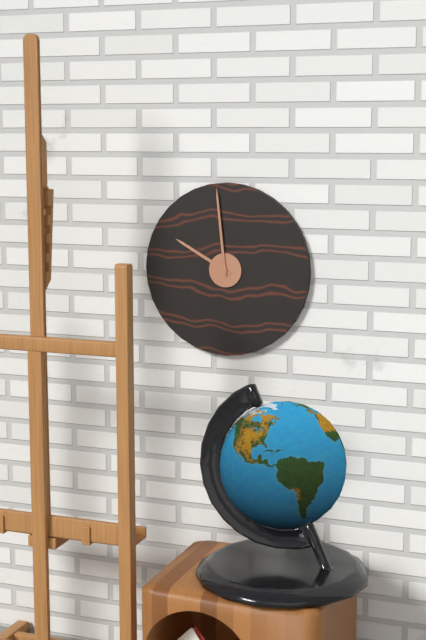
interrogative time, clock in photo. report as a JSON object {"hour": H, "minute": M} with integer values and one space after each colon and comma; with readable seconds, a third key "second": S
{"hour": 9, "minute": 59}
